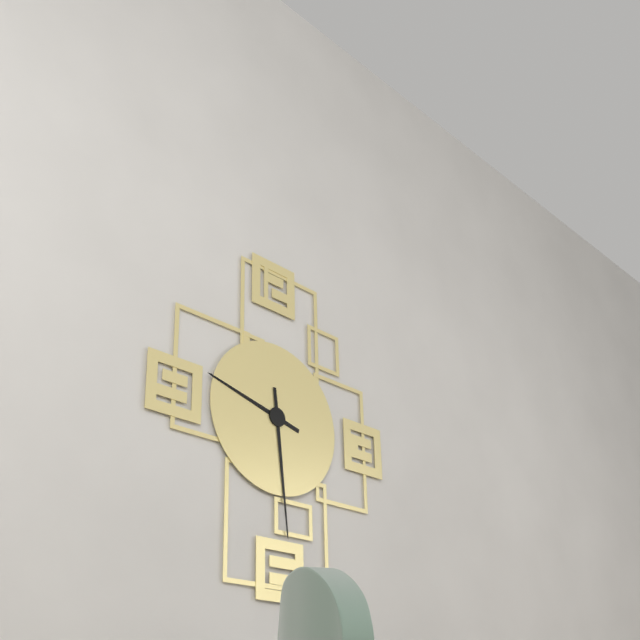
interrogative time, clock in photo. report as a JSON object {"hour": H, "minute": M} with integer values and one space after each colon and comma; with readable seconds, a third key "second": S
{"hour": 9, "minute": 29}
